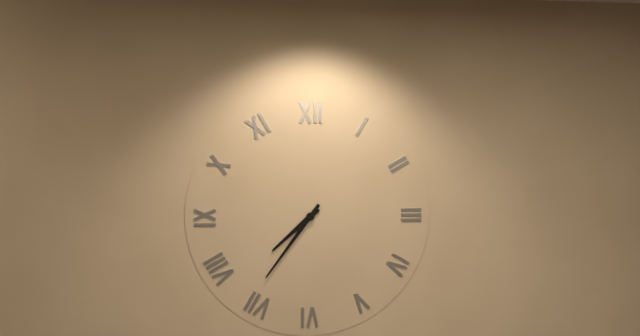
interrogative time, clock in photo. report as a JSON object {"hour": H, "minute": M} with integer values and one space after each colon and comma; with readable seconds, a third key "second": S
{"hour": 7, "minute": 36}
